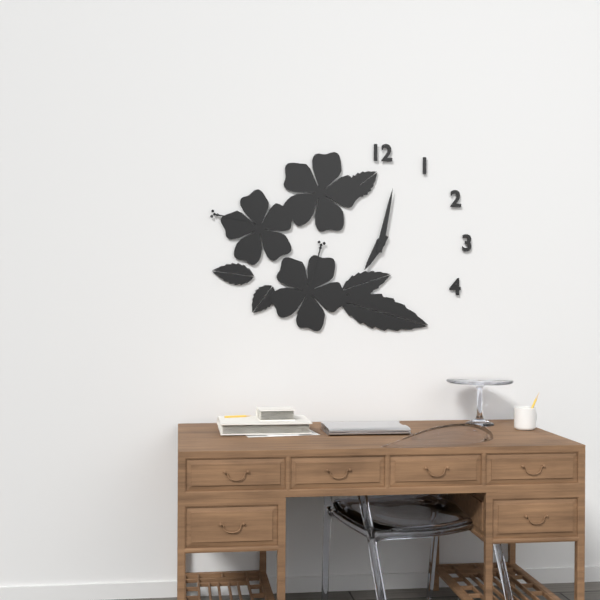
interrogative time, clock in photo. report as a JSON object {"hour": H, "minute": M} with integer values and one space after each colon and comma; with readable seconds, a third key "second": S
{"hour": 7, "minute": 2}
